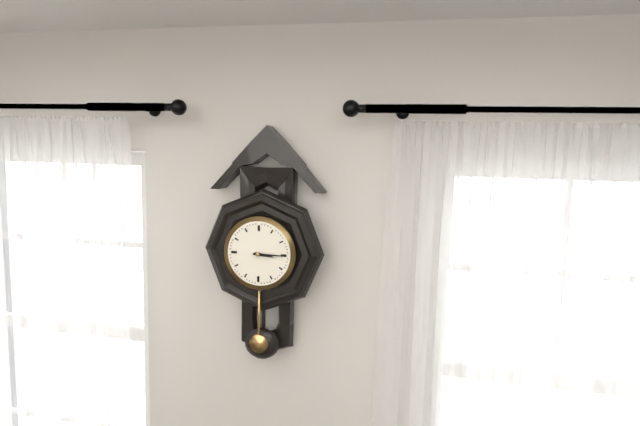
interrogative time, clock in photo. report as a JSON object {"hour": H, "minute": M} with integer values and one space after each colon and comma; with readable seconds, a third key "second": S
{"hour": 3, "minute": 15}
